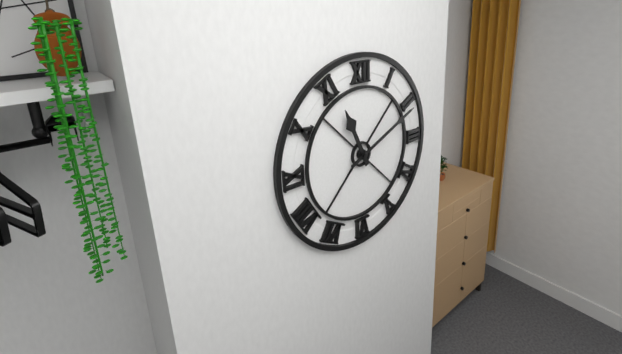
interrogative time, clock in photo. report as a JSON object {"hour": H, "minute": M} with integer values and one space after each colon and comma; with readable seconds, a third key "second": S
{"hour": 11, "minute": 11}
